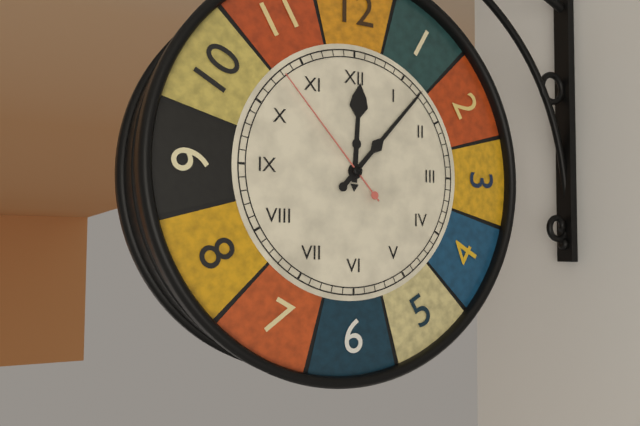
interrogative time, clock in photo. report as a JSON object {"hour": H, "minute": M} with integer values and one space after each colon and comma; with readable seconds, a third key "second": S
{"hour": 12, "minute": 7, "second": 53}
